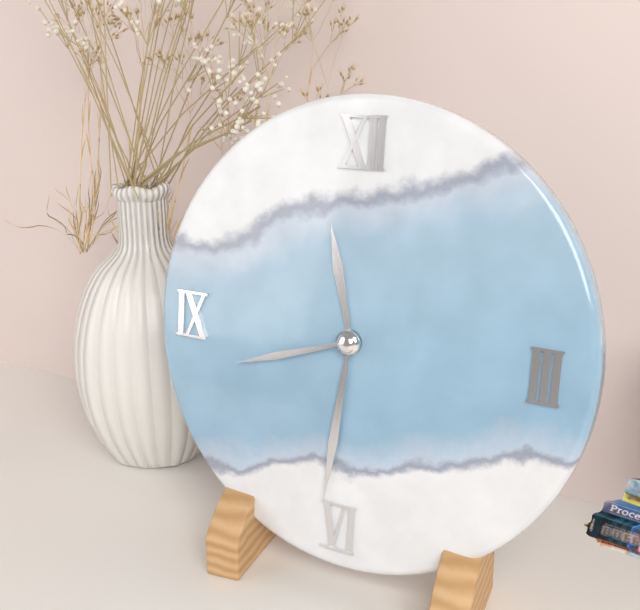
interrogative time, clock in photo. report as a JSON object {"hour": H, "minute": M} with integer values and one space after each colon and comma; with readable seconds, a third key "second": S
{"hour": 11, "minute": 31, "second": 42}
